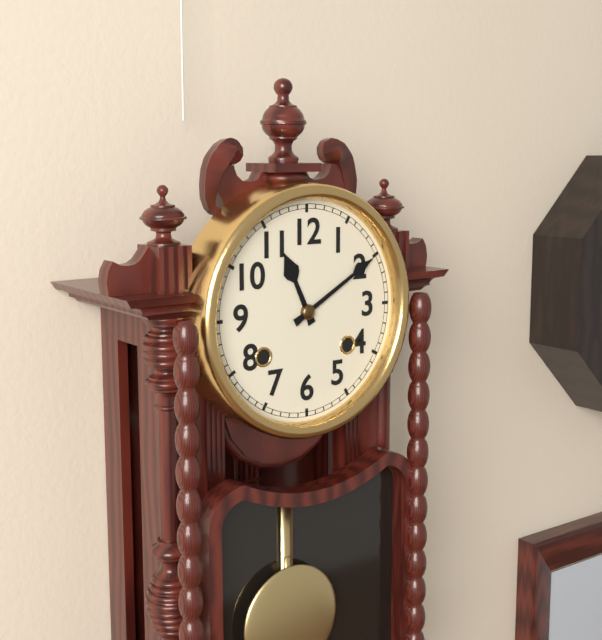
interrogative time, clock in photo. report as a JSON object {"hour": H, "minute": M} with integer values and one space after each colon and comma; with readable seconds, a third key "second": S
{"hour": 11, "minute": 10}
